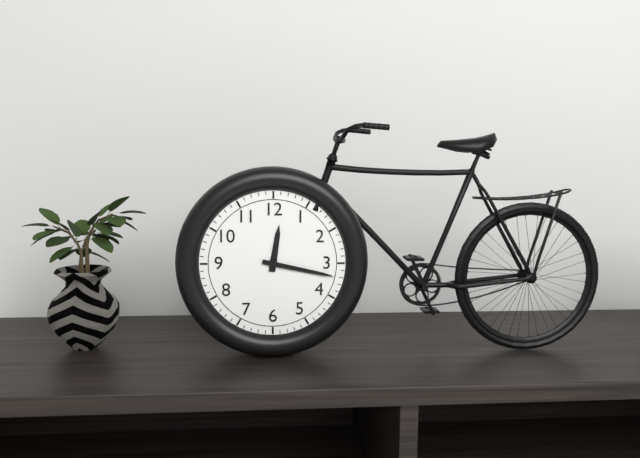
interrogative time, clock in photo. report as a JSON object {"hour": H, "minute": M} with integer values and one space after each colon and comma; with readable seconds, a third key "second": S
{"hour": 12, "minute": 17}
